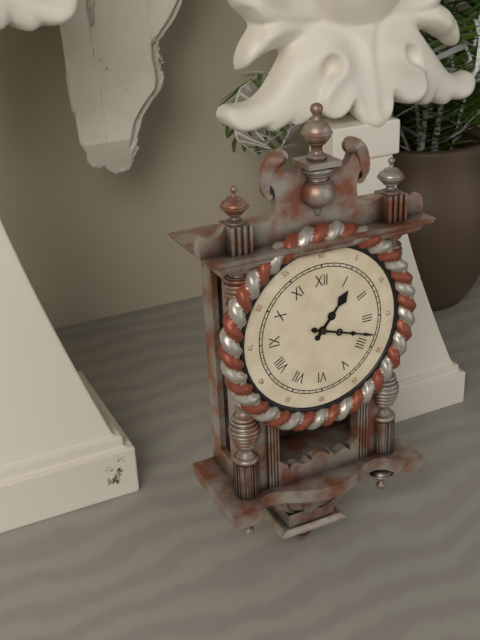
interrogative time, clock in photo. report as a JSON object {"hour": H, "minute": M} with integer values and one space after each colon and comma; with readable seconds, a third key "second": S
{"hour": 1, "minute": 18}
